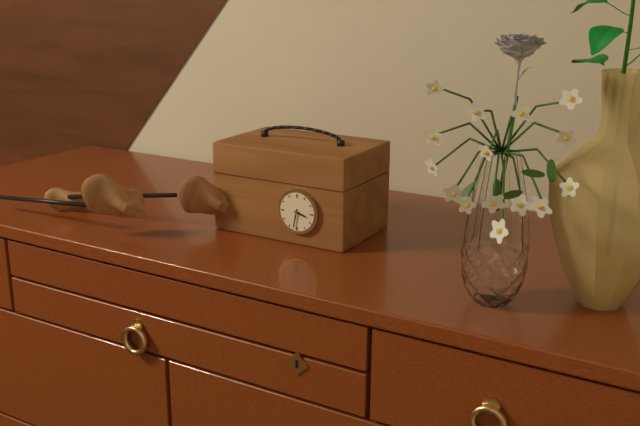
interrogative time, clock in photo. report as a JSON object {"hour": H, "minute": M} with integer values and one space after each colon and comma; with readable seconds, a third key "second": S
{"hour": 3, "minute": 32}
